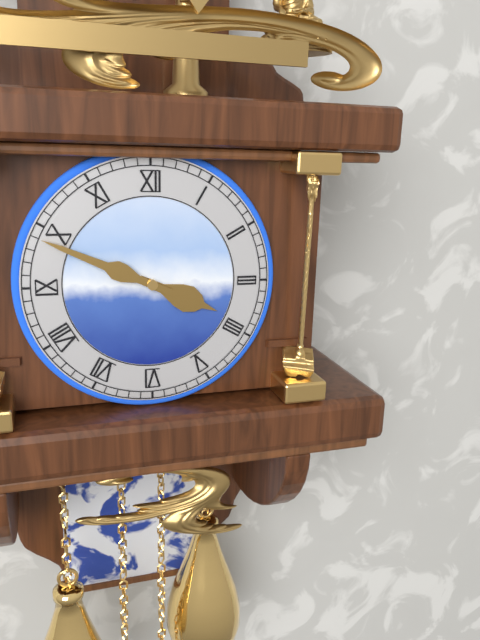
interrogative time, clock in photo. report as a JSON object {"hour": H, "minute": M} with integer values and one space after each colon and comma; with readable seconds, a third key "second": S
{"hour": 3, "minute": 49}
